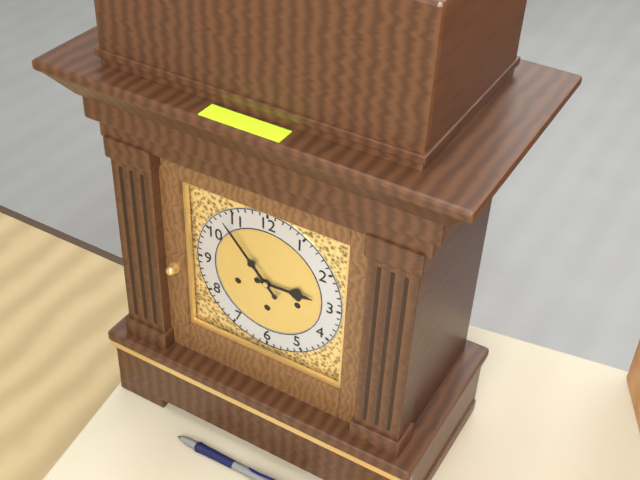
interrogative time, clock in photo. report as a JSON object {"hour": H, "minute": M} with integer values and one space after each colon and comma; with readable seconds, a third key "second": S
{"hour": 2, "minute": 53}
